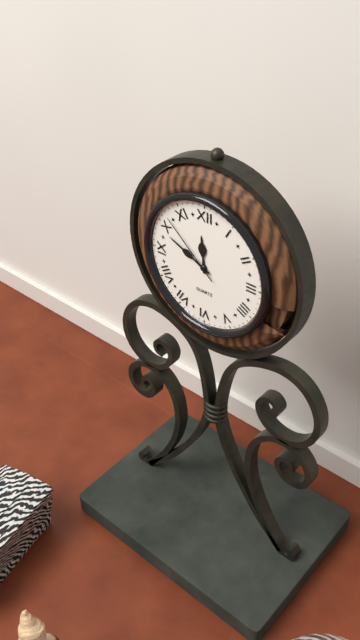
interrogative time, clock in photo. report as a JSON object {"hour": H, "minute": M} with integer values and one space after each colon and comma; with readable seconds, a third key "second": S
{"hour": 11, "minute": 49, "second": 52}
